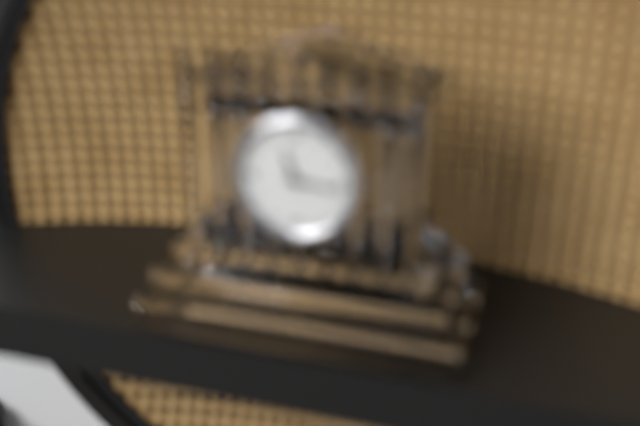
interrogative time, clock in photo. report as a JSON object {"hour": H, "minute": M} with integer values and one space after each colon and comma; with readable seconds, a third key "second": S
{"hour": 11, "minute": 16}
